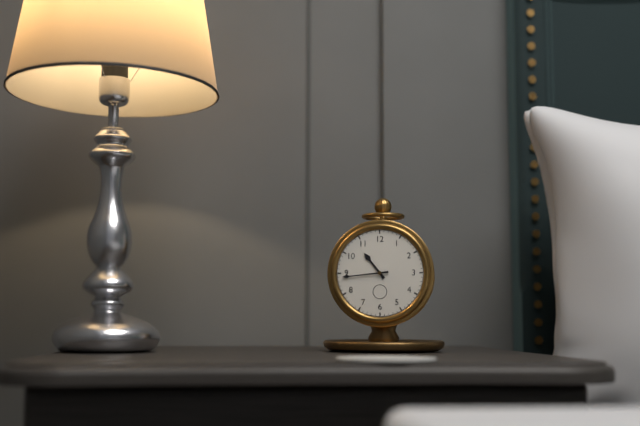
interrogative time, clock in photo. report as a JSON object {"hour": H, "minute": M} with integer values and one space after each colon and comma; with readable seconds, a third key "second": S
{"hour": 10, "minute": 44}
